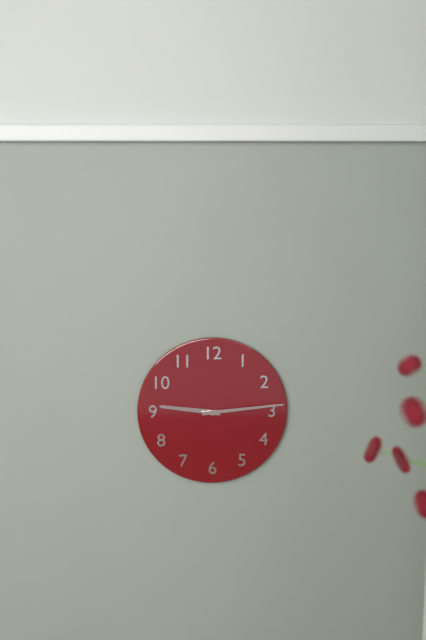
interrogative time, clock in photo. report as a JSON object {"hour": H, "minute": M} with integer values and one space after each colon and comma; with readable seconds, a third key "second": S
{"hour": 9, "minute": 14}
